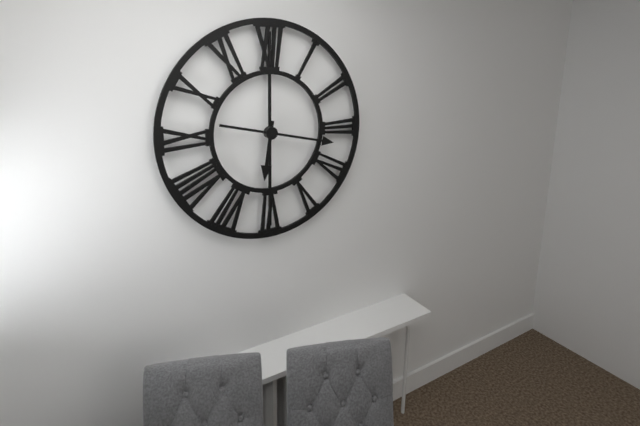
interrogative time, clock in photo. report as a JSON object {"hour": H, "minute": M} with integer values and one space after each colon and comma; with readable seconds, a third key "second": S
{"hour": 6, "minute": 17}
